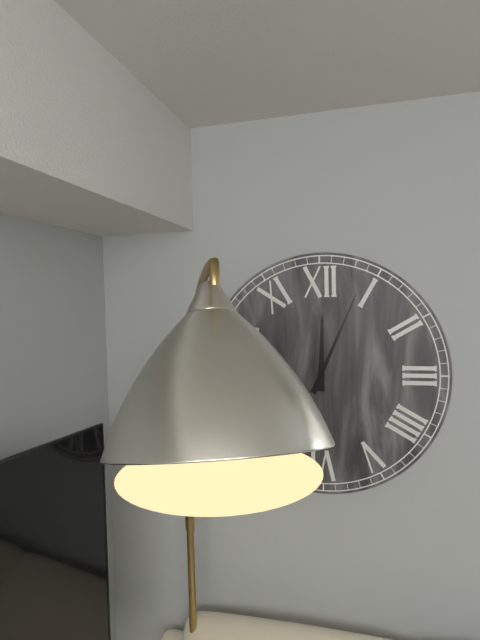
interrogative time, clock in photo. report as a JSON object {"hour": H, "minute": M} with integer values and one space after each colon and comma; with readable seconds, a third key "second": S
{"hour": 12, "minute": 4}
